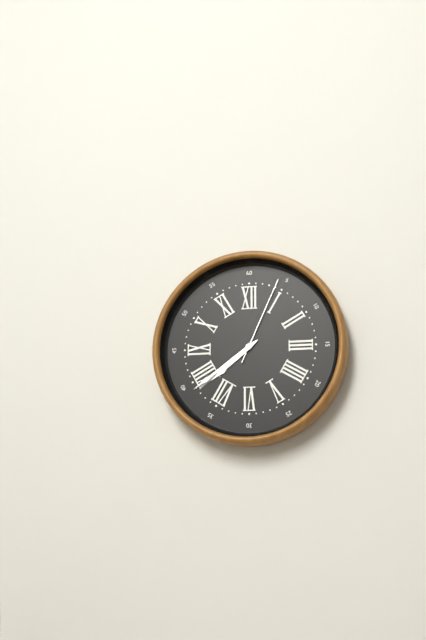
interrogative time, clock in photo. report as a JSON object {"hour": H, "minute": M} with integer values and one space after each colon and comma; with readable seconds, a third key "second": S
{"hour": 7, "minute": 39, "second": 4}
